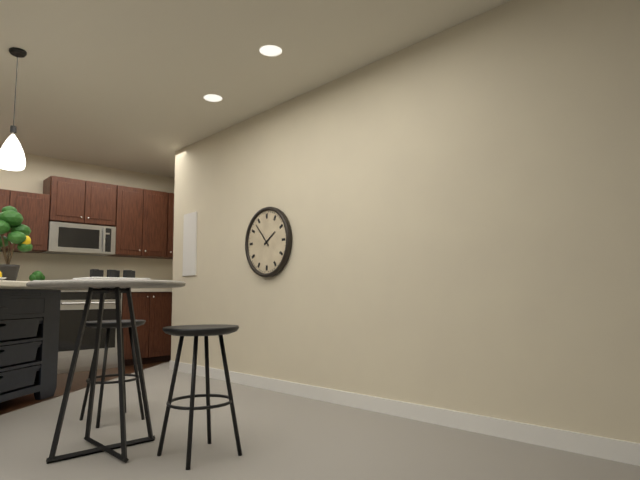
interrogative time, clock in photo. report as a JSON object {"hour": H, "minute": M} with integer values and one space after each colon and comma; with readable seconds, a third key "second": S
{"hour": 1, "minute": 53}
